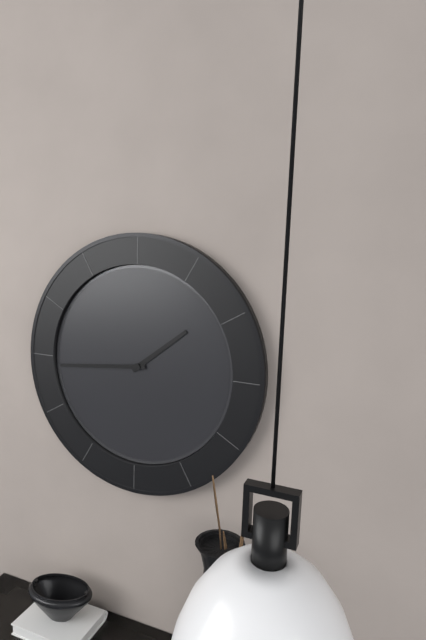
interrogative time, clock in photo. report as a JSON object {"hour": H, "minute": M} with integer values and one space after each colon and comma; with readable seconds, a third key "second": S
{"hour": 1, "minute": 44}
